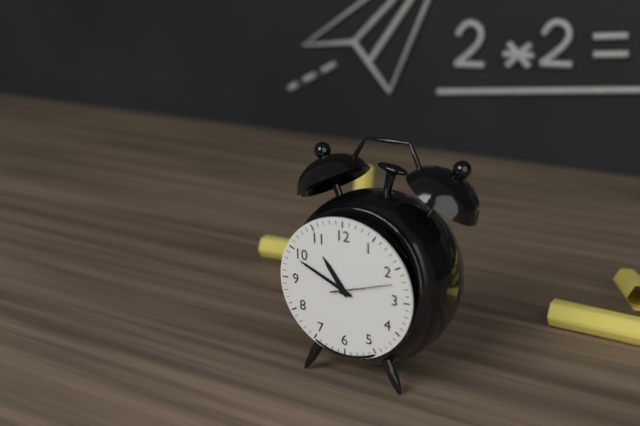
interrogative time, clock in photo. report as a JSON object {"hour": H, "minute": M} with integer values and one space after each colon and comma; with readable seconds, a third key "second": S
{"hour": 10, "minute": 49}
